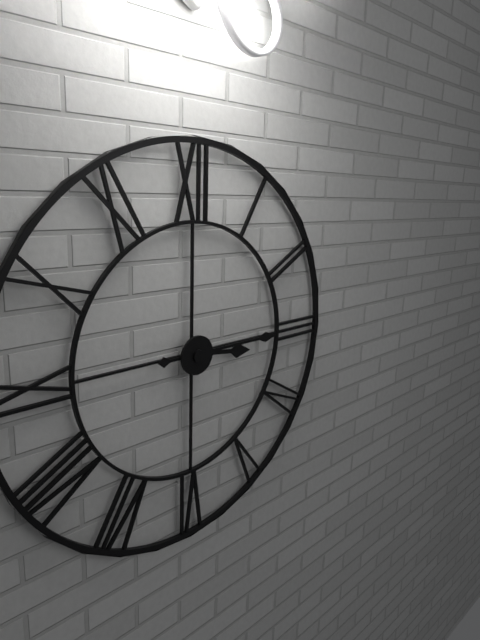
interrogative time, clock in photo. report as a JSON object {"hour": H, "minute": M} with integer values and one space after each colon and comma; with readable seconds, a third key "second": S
{"hour": 3, "minute": 15}
